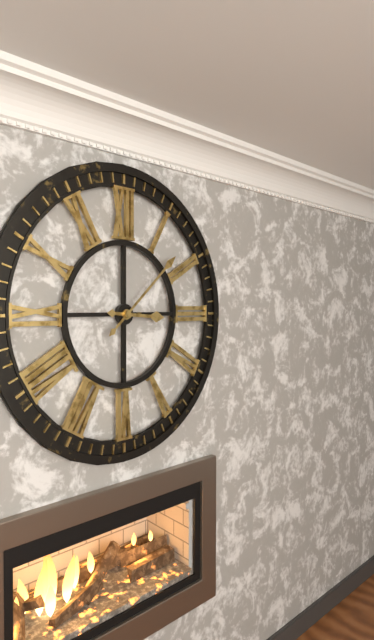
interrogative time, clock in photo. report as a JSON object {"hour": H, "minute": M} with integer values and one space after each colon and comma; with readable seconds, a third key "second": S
{"hour": 3, "minute": 8}
